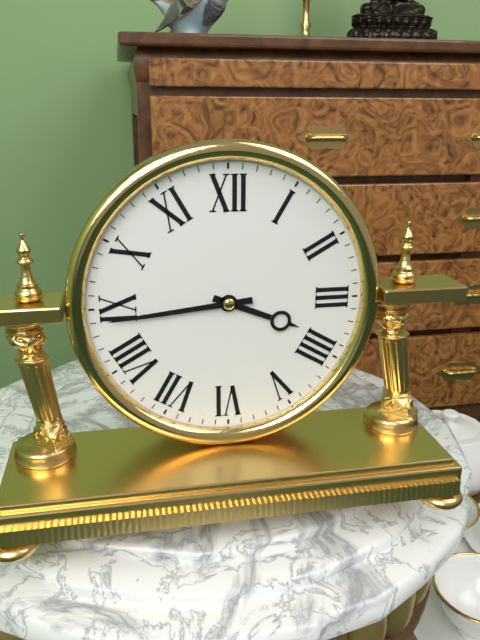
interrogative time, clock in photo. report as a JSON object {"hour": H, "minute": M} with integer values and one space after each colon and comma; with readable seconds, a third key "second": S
{"hour": 3, "minute": 44}
